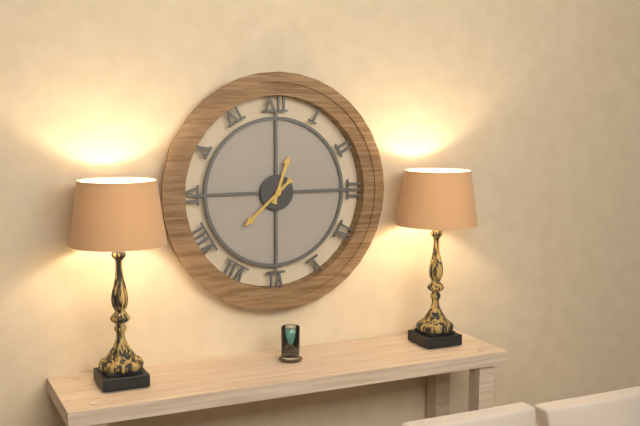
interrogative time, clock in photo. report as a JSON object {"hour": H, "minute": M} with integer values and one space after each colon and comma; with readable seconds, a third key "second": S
{"hour": 12, "minute": 38}
